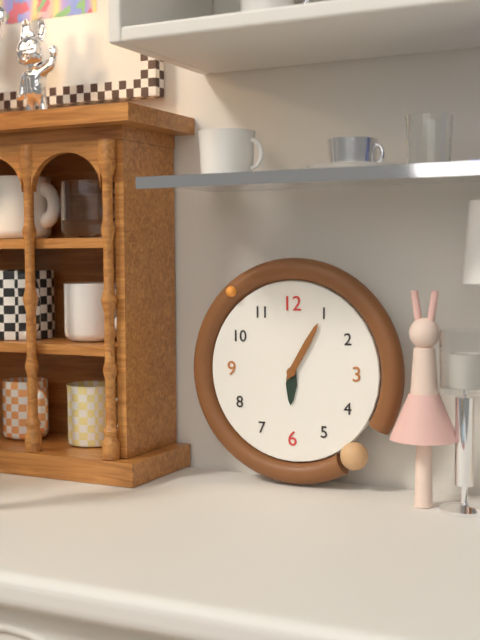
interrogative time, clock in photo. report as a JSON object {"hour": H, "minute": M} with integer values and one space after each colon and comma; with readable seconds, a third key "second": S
{"hour": 6, "minute": 5}
